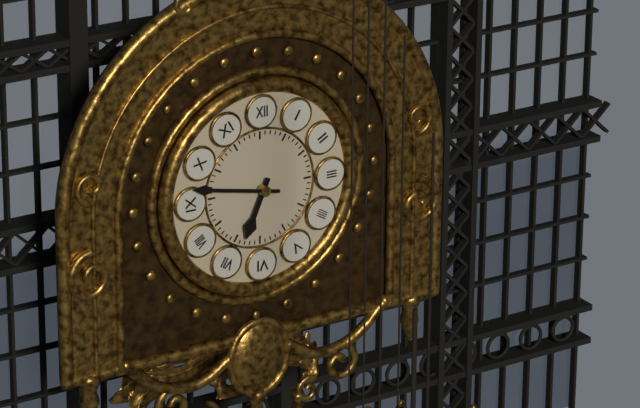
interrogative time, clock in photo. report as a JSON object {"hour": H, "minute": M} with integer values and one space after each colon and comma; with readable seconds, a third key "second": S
{"hour": 6, "minute": 47}
